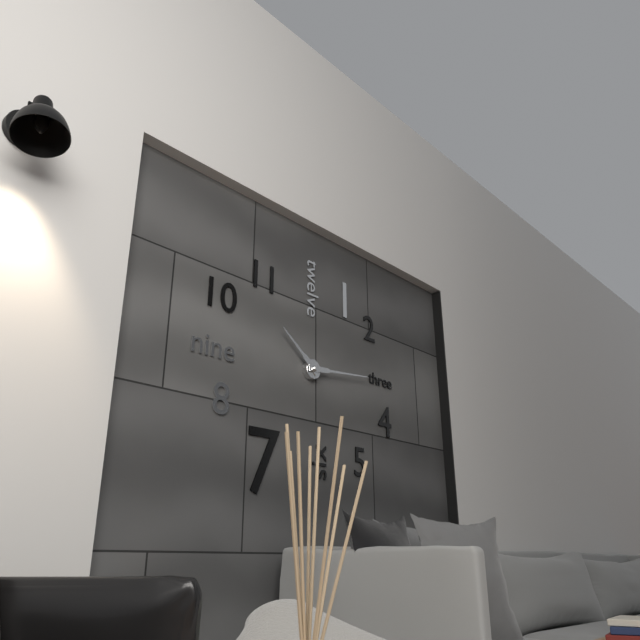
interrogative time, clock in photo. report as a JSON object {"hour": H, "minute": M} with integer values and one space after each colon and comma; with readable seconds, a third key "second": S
{"hour": 10, "minute": 14}
